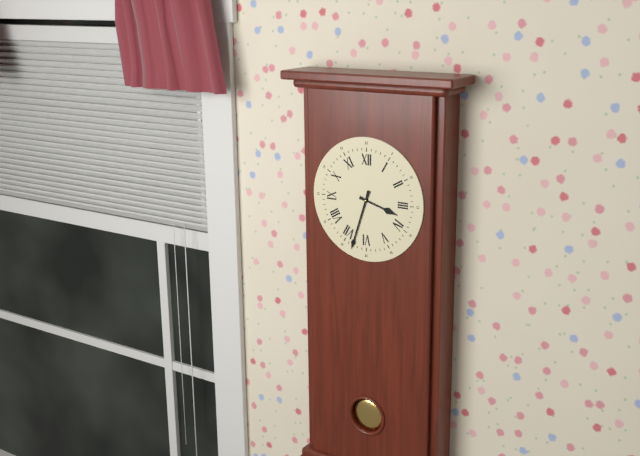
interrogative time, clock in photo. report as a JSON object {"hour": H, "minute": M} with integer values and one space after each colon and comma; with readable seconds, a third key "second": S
{"hour": 3, "minute": 33}
